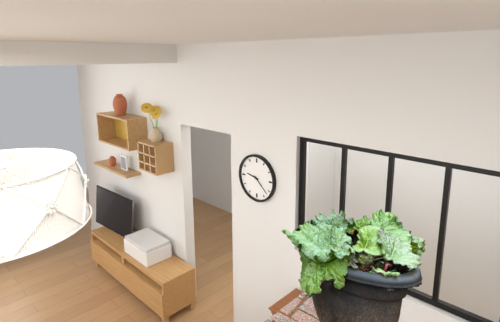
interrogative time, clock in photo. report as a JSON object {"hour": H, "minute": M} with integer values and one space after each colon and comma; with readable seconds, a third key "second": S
{"hour": 9, "minute": 22}
